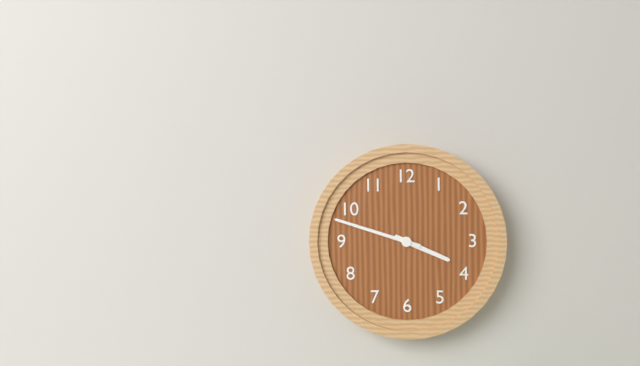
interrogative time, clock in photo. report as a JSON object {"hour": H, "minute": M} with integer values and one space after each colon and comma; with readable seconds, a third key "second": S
{"hour": 3, "minute": 48}
